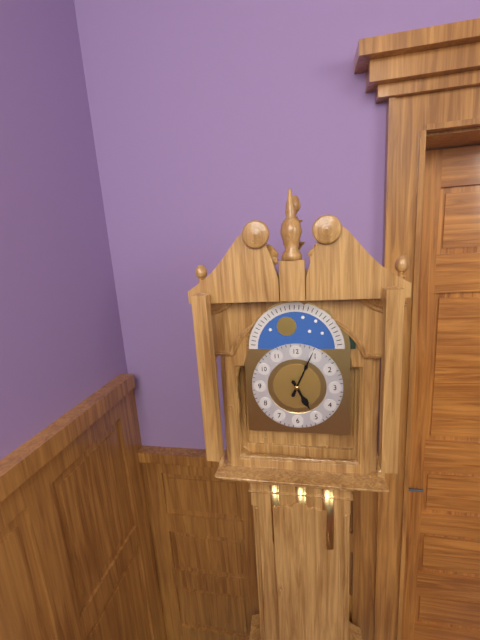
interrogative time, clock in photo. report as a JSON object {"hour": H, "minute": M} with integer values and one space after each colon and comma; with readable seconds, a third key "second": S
{"hour": 5, "minute": 4}
